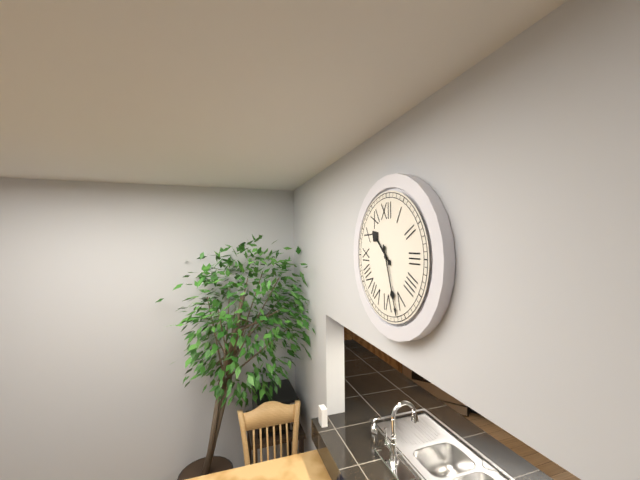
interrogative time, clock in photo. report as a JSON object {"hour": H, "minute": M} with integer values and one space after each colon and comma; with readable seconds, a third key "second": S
{"hour": 10, "minute": 27}
